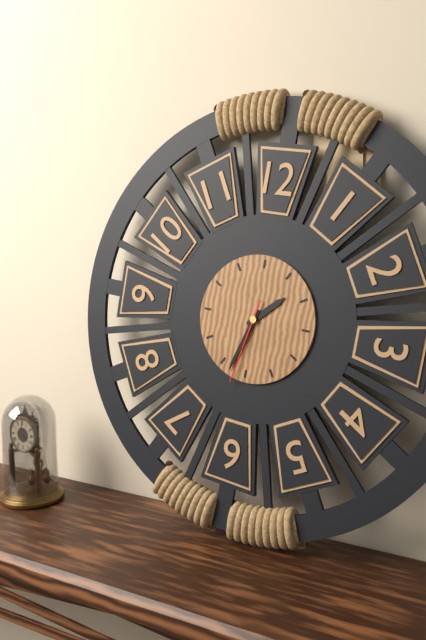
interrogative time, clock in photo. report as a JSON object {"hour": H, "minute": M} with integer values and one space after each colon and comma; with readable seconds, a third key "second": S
{"hour": 1, "minute": 33, "second": 32}
